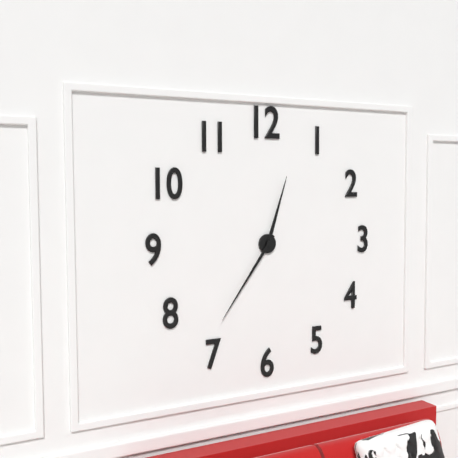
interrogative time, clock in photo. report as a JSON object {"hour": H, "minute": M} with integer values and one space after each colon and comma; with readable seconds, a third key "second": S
{"hour": 12, "minute": 36}
